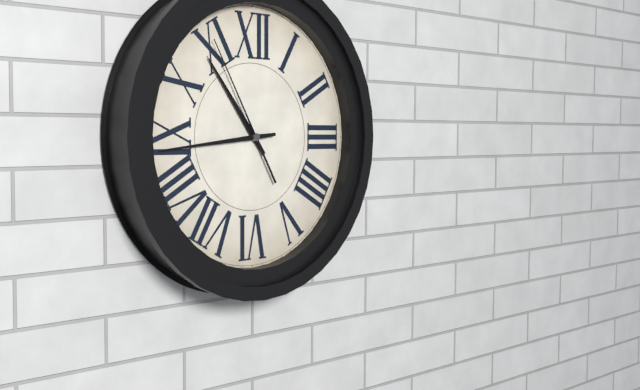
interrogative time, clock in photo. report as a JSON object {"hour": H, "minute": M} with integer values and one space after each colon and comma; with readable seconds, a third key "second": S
{"hour": 10, "minute": 44, "second": 55}
